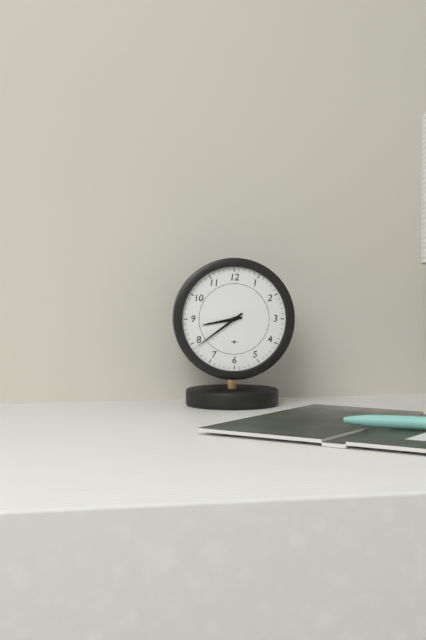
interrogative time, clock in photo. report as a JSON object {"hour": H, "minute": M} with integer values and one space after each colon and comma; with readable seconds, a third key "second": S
{"hour": 8, "minute": 39}
